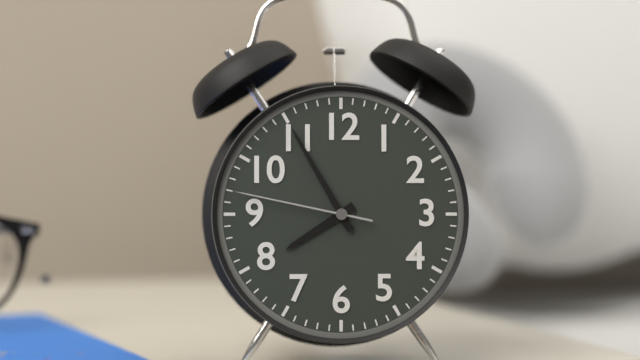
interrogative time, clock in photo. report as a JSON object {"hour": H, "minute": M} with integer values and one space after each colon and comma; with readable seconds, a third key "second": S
{"hour": 7, "minute": 55, "second": 47}
